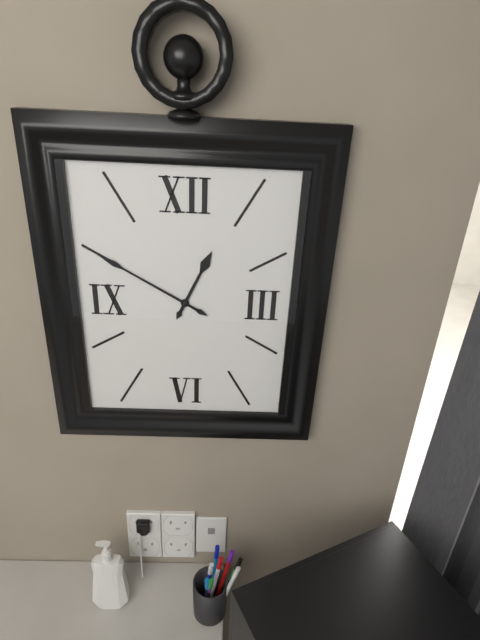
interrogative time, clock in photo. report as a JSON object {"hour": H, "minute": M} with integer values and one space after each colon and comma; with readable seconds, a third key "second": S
{"hour": 12, "minute": 50}
